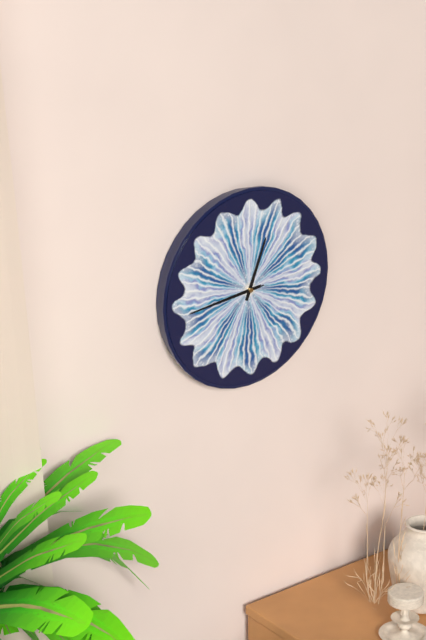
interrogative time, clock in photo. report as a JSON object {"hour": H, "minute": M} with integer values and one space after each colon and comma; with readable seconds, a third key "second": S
{"hour": 12, "minute": 44, "second": 44}
